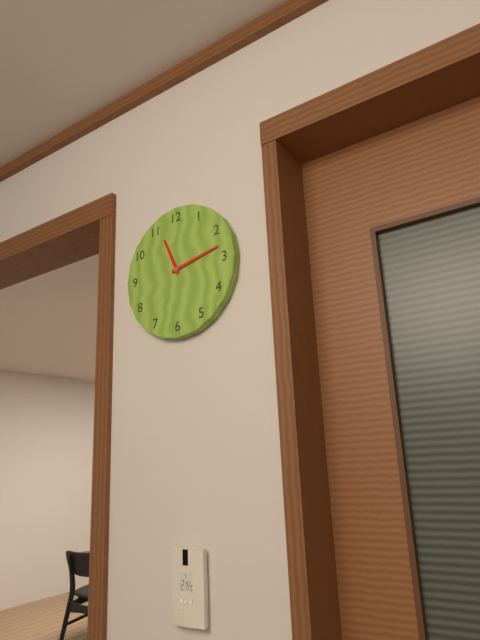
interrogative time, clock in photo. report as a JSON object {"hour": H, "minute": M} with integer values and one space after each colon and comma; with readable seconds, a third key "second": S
{"hour": 11, "minute": 13}
